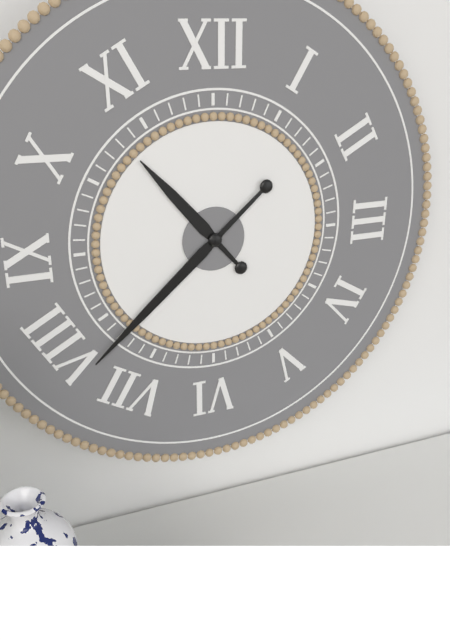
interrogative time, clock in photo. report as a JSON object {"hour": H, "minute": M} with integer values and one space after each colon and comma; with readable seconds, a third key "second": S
{"hour": 10, "minute": 38}
